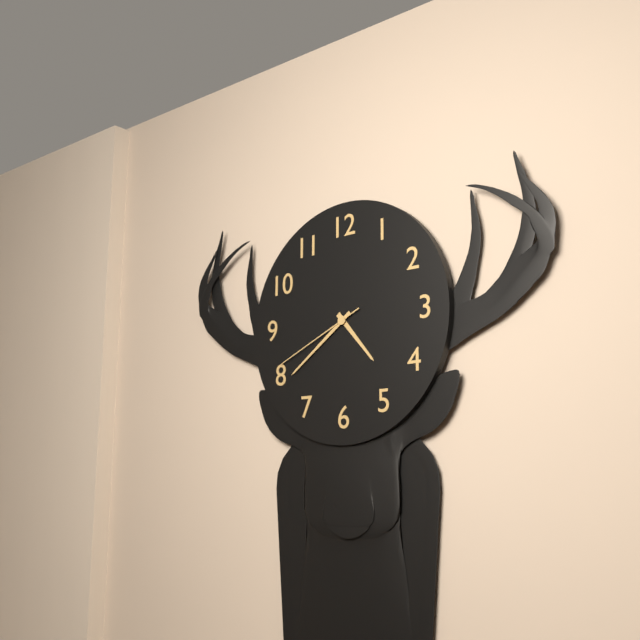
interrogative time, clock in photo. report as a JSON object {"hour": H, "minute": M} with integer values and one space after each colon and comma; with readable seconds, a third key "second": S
{"hour": 4, "minute": 39, "second": 41}
